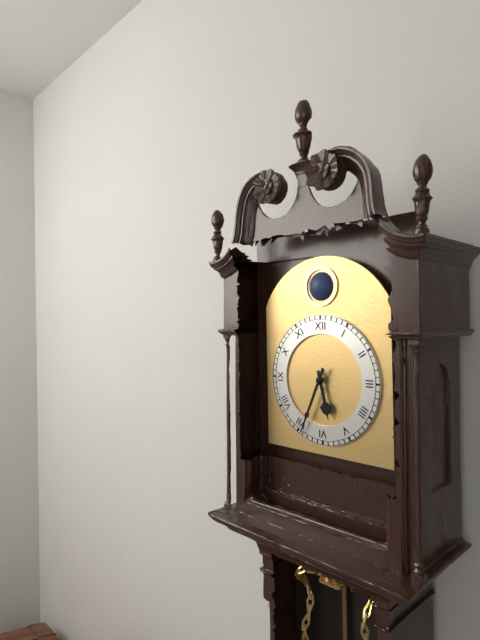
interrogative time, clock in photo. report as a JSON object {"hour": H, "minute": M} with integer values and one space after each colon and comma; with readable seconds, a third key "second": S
{"hour": 5, "minute": 34}
